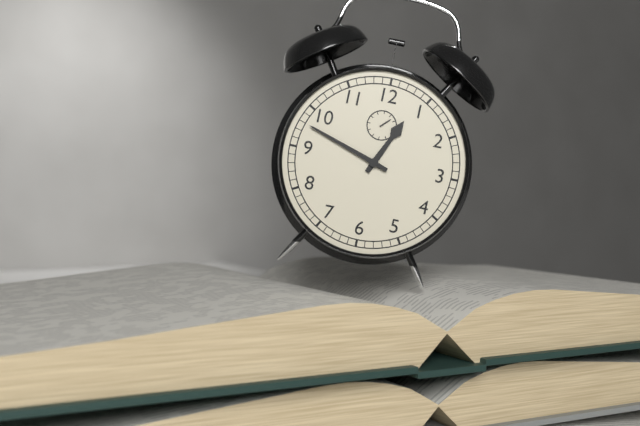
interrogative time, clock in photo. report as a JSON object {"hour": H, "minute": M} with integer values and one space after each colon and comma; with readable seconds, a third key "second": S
{"hour": 12, "minute": 48}
